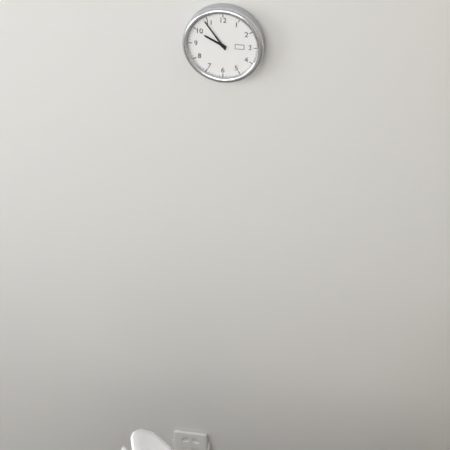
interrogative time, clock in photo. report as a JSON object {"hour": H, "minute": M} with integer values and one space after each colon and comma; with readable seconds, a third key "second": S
{"hour": 9, "minute": 54}
